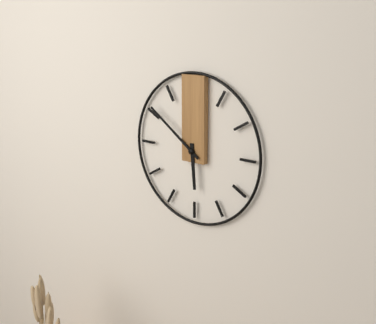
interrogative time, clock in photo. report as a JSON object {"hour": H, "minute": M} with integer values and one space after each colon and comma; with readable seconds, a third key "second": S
{"hour": 5, "minute": 51}
